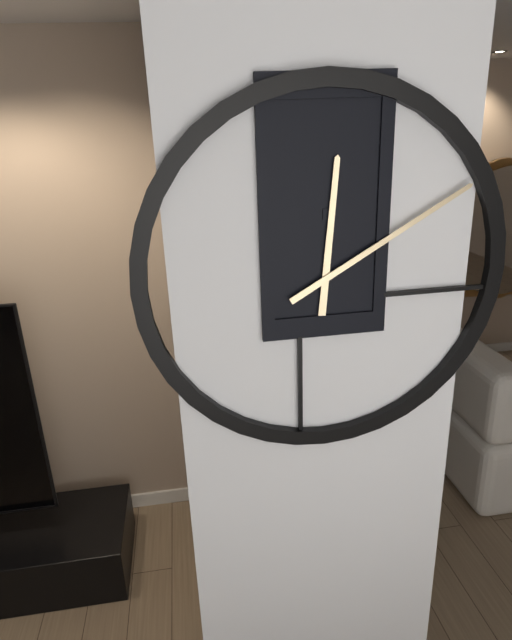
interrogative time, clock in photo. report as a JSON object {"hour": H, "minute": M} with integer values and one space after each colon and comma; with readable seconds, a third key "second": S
{"hour": 12, "minute": 10}
